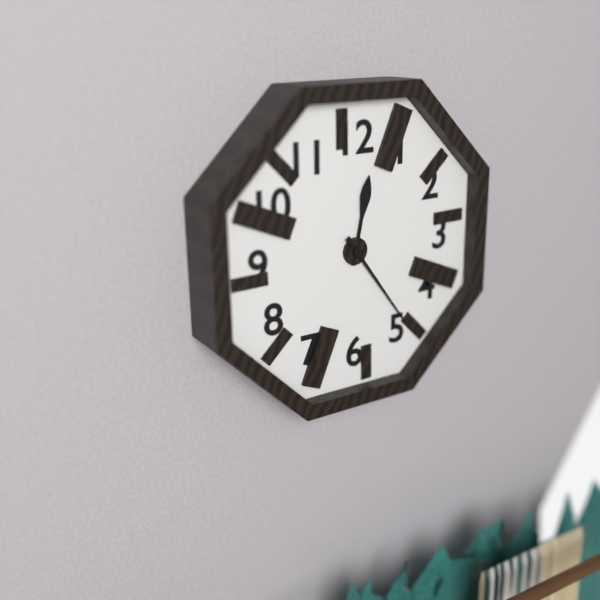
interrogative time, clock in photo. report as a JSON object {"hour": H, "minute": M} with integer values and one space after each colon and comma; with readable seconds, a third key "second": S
{"hour": 12, "minute": 24}
